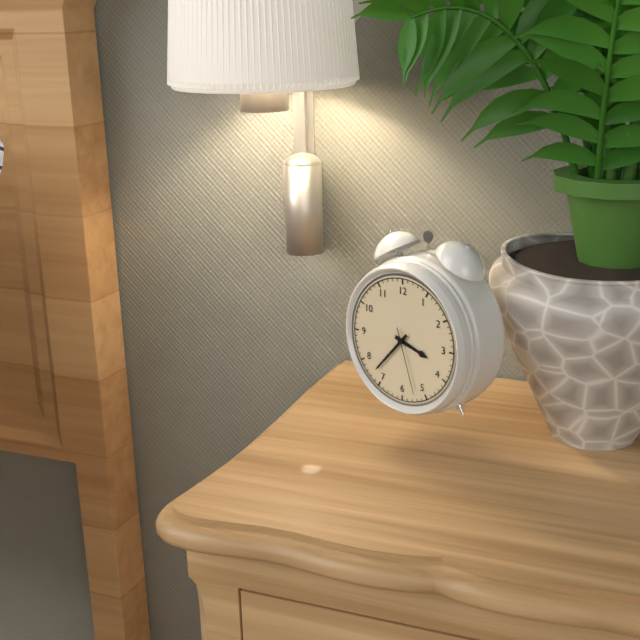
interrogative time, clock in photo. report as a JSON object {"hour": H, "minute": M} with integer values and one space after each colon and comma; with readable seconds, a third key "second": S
{"hour": 3, "minute": 37, "second": 27}
